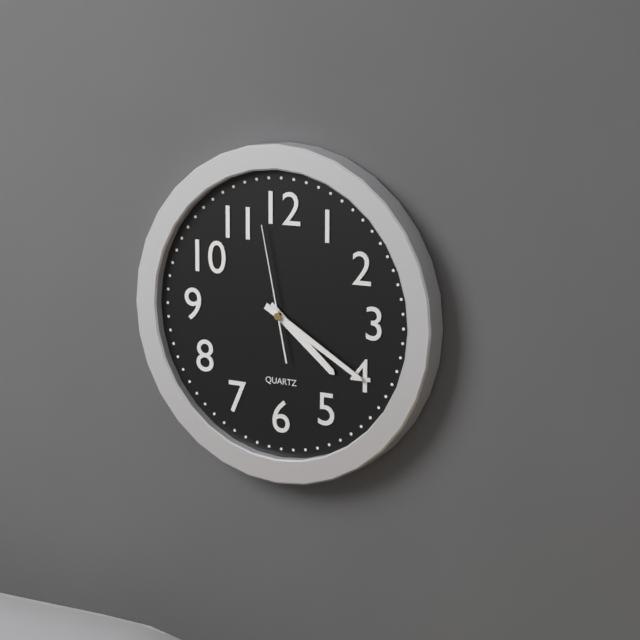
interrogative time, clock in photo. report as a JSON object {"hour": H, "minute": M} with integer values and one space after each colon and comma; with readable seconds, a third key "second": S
{"hour": 4, "minute": 20, "second": 58}
